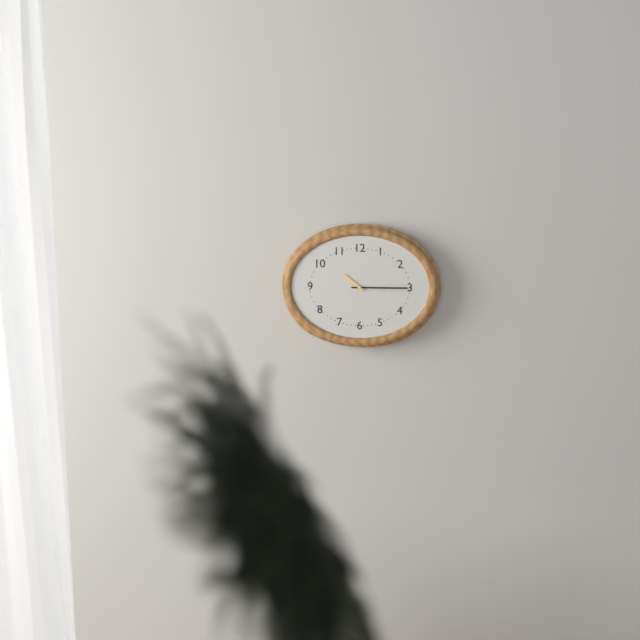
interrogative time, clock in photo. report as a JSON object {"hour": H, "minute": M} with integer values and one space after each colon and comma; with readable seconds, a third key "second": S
{"hour": 10, "minute": 15}
